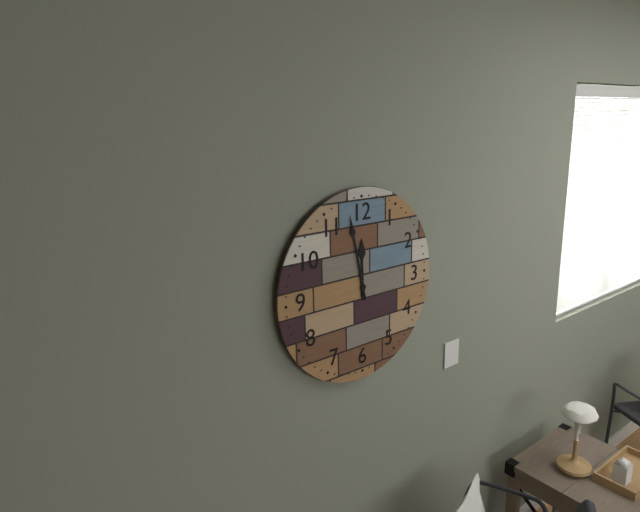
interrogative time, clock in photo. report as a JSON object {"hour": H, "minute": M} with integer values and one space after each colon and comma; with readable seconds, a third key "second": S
{"hour": 11, "minute": 58}
